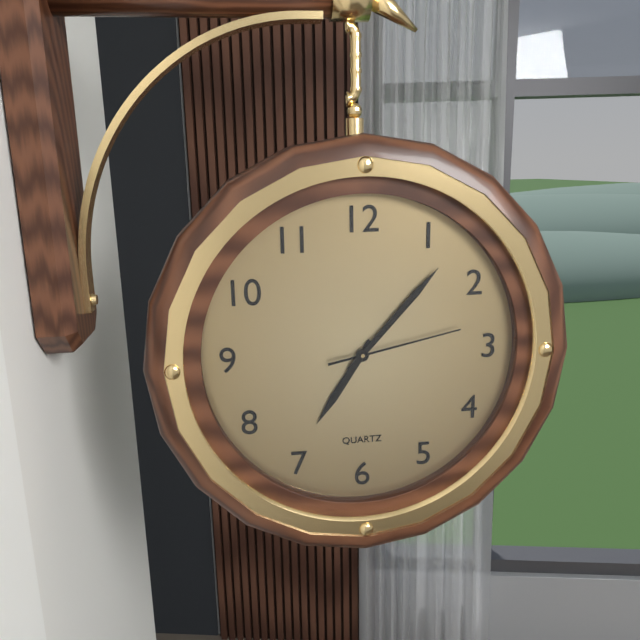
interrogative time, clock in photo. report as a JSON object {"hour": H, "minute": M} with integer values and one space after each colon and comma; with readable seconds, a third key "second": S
{"hour": 7, "minute": 7, "second": 13}
